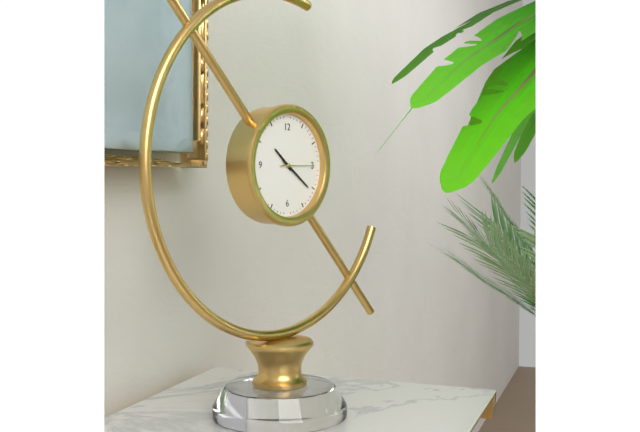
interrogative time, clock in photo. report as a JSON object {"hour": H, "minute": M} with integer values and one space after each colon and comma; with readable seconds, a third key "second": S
{"hour": 10, "minute": 21}
